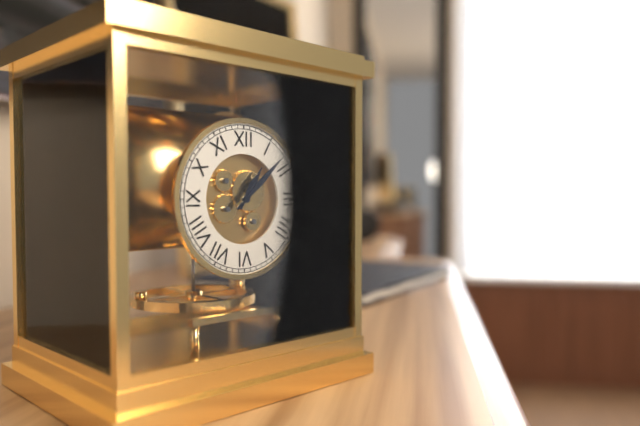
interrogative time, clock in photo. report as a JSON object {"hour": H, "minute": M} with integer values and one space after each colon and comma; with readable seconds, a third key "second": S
{"hour": 1, "minute": 8}
